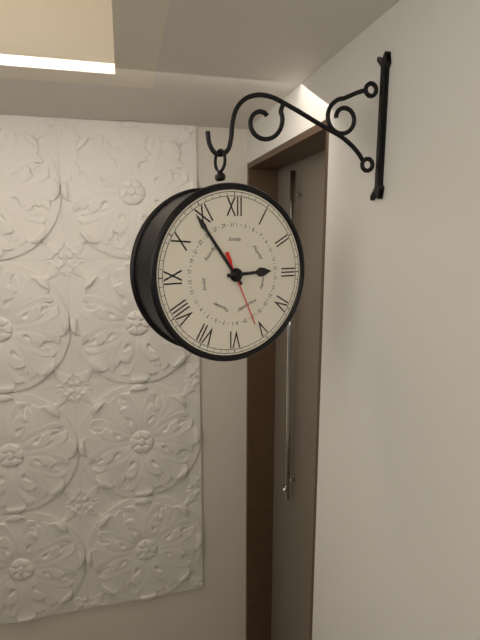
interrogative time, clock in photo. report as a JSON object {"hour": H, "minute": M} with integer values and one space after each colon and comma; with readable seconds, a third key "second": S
{"hour": 2, "minute": 54, "second": 26}
